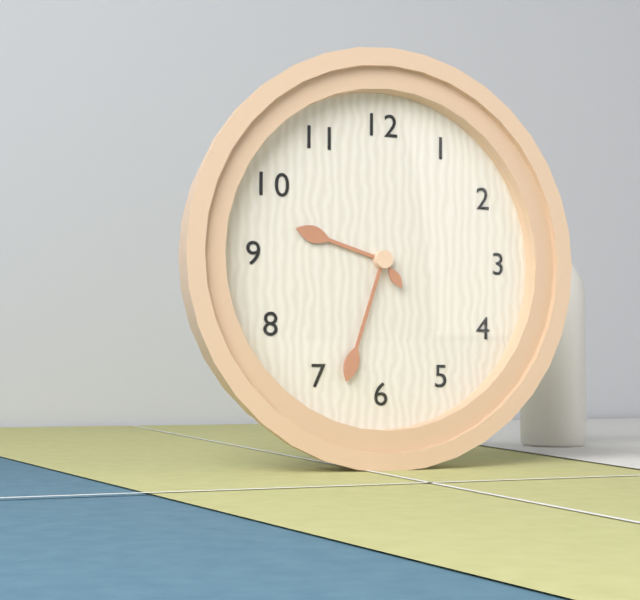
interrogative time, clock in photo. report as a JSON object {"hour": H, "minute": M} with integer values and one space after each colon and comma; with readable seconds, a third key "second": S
{"hour": 9, "minute": 33}
